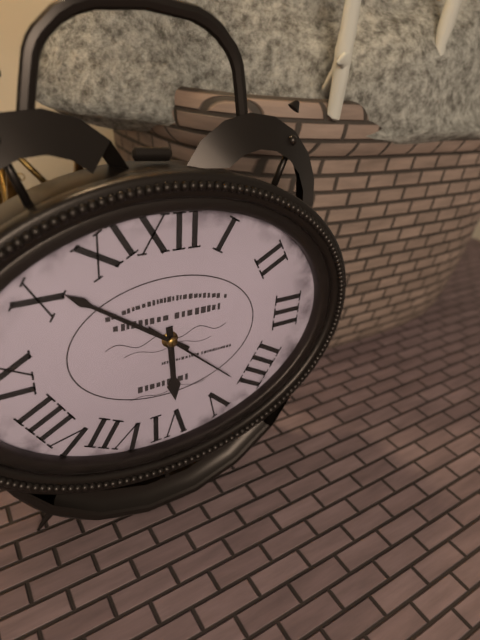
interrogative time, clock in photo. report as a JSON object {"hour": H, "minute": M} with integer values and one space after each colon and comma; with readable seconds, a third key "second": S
{"hour": 5, "minute": 51, "second": 22}
